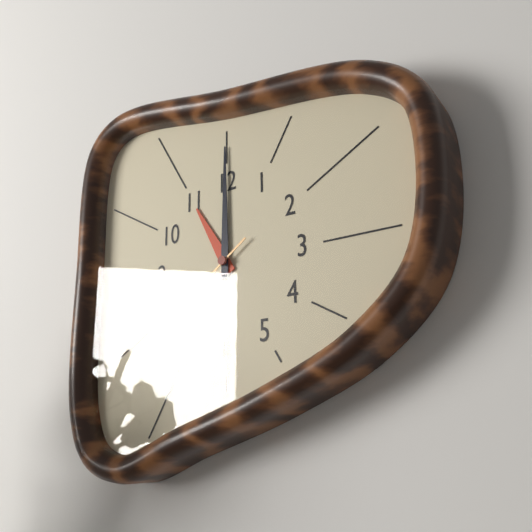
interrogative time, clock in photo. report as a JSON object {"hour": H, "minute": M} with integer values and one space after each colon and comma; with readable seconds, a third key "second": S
{"hour": 11, "minute": 0, "second": 39}
